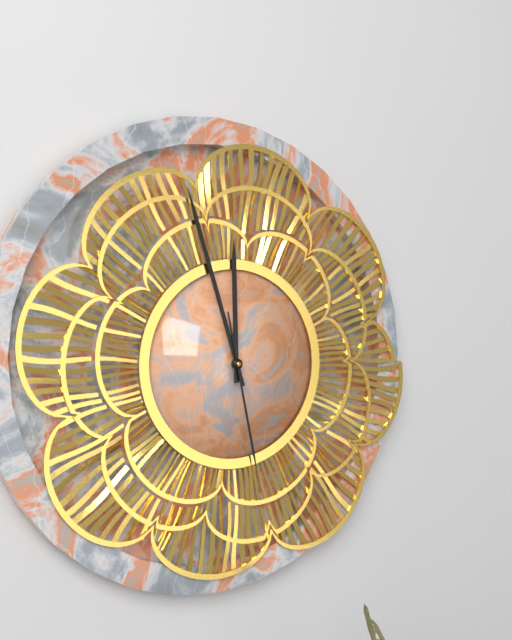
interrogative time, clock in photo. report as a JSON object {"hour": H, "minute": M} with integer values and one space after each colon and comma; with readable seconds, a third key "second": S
{"hour": 11, "minute": 57, "second": 28}
